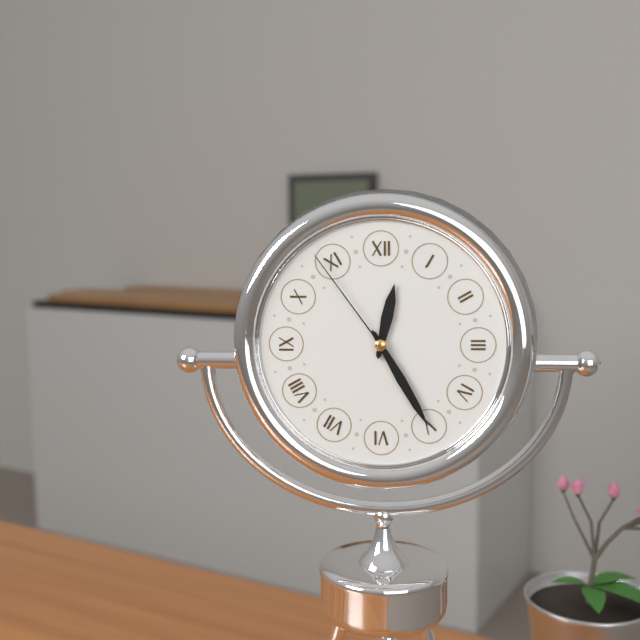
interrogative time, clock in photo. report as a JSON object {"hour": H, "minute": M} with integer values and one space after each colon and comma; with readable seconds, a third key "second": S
{"hour": 12, "minute": 25, "second": 54}
